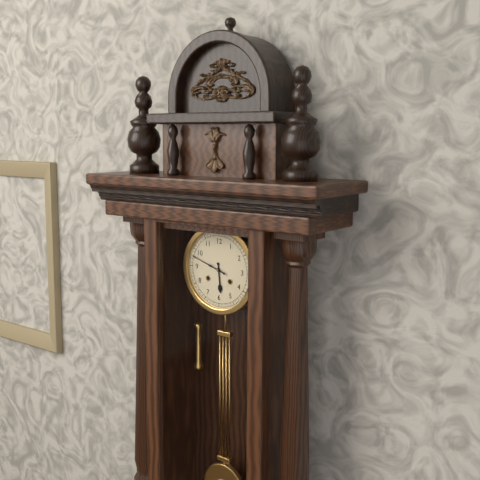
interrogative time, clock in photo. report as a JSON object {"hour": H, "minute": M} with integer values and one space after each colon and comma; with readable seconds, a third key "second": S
{"hour": 5, "minute": 48}
